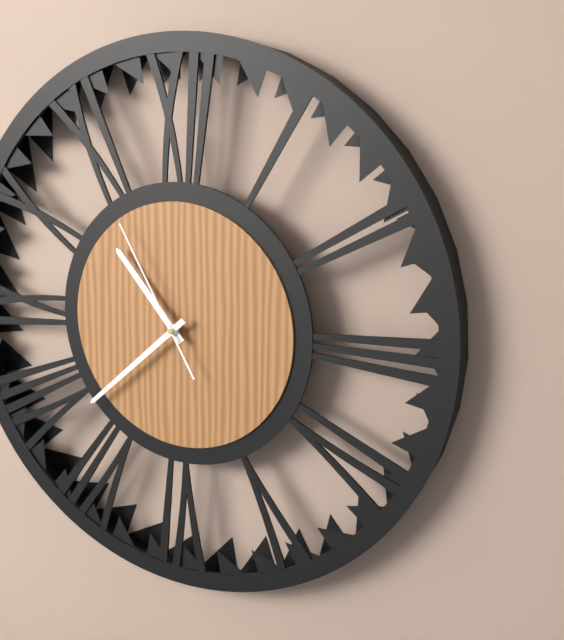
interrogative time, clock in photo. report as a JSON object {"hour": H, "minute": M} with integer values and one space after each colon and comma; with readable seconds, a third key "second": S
{"hour": 10, "minute": 38, "second": 55}
